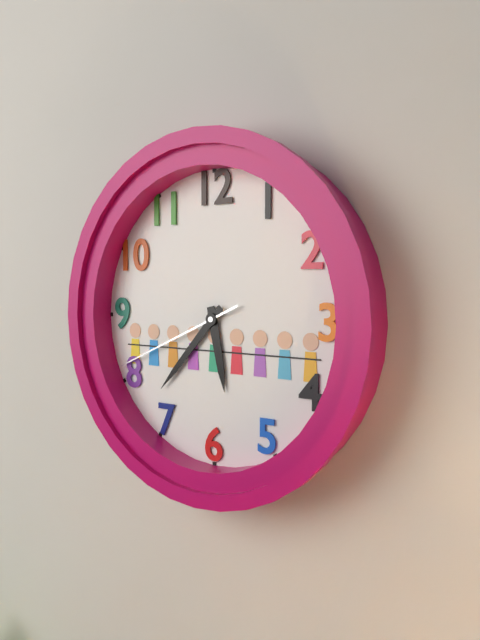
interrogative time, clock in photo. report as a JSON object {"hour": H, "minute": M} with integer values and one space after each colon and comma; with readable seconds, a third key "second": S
{"hour": 5, "minute": 37, "second": 41}
